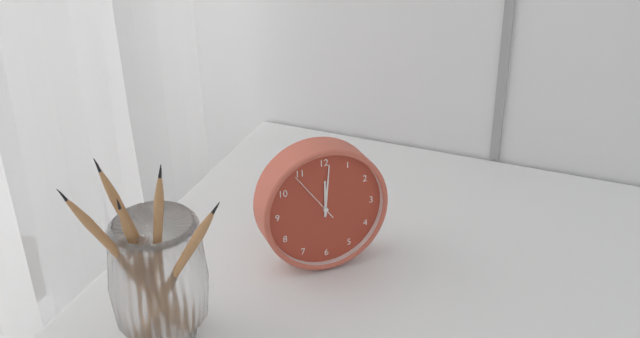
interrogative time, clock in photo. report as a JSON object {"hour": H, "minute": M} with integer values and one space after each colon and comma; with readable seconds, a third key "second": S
{"hour": 12, "minute": 1, "second": 54}
